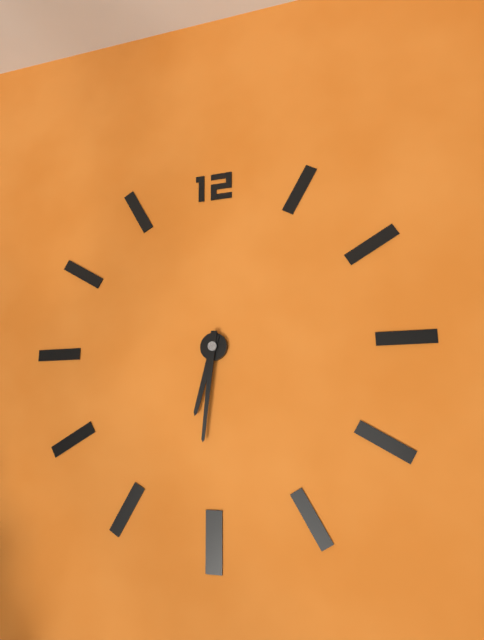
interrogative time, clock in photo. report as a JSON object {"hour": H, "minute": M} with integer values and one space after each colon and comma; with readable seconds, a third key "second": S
{"hour": 6, "minute": 31}
